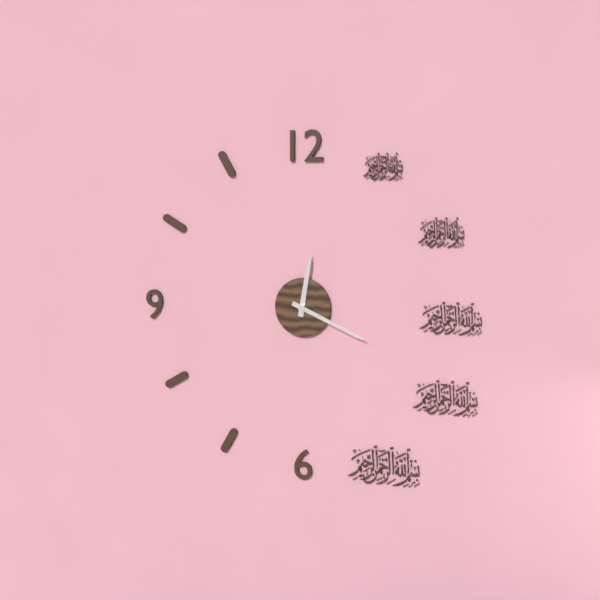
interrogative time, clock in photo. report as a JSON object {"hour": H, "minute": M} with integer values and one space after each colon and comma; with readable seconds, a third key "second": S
{"hour": 12, "minute": 19}
